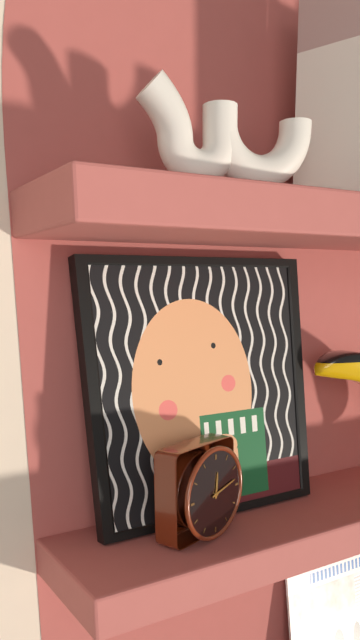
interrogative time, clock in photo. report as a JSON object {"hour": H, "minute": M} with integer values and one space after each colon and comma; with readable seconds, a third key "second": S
{"hour": 12, "minute": 13}
